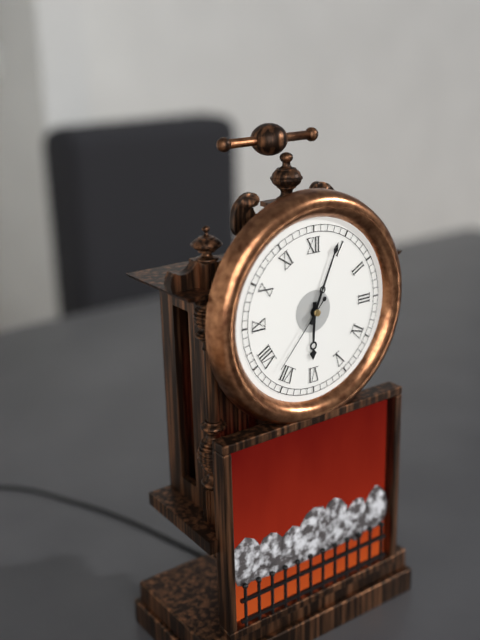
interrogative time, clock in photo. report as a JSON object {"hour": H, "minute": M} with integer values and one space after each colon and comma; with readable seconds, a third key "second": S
{"hour": 6, "minute": 4, "second": 37}
